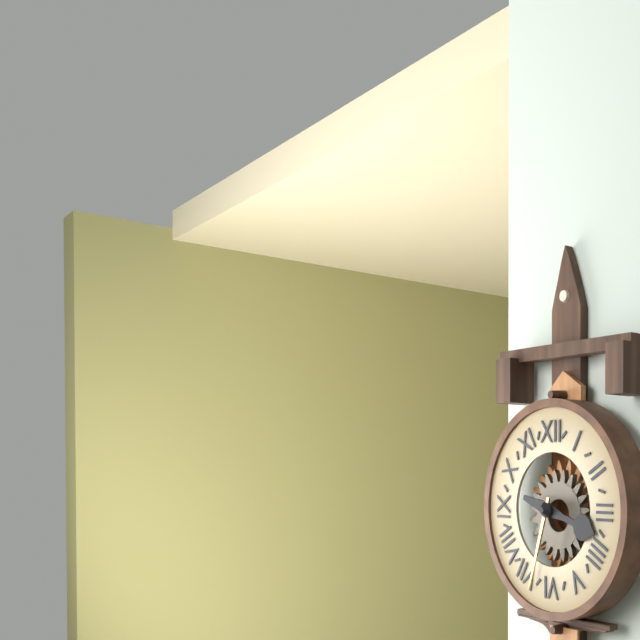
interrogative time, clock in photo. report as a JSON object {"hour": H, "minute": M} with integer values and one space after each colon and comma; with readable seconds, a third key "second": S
{"hour": 3, "minute": 33}
